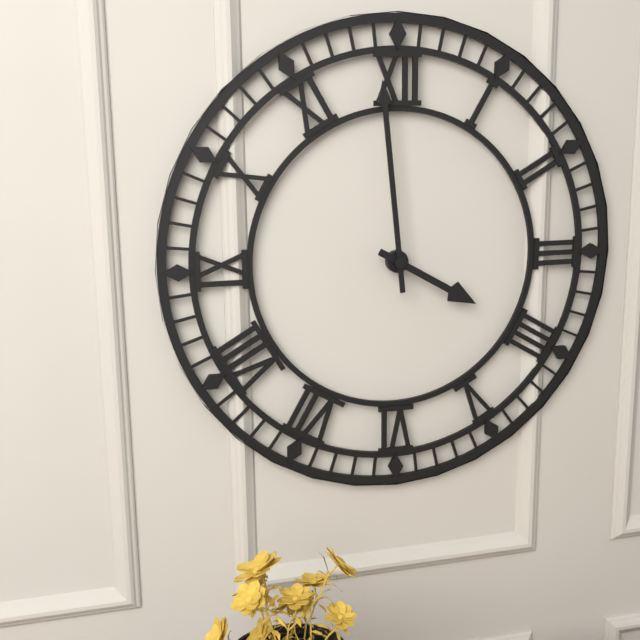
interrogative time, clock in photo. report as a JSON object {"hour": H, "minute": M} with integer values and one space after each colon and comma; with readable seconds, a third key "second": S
{"hour": 3, "minute": 59}
